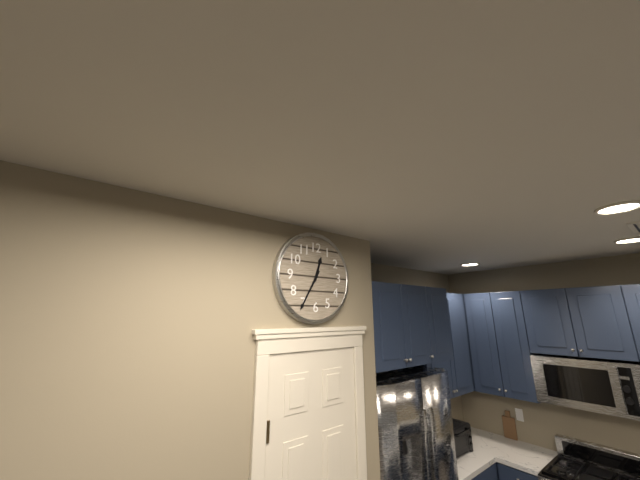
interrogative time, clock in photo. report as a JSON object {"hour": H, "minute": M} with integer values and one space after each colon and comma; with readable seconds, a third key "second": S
{"hour": 12, "minute": 35}
